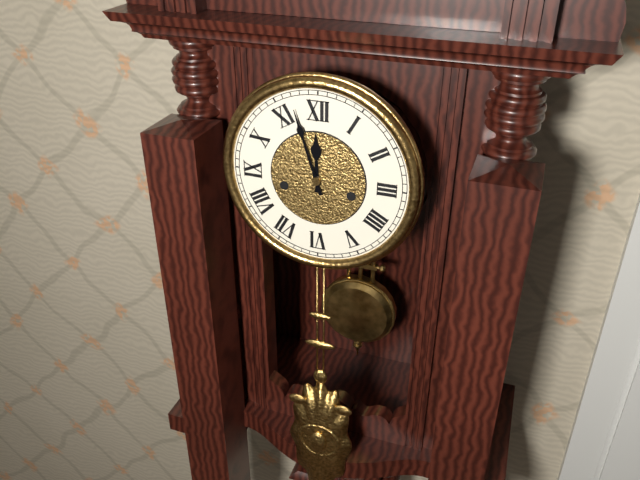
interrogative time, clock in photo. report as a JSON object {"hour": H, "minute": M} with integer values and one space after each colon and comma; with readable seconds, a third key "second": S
{"hour": 11, "minute": 57}
